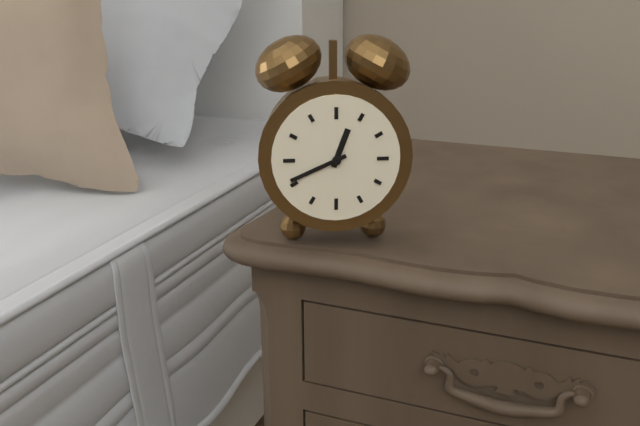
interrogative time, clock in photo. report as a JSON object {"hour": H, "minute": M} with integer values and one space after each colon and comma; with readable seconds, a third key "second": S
{"hour": 12, "minute": 41}
